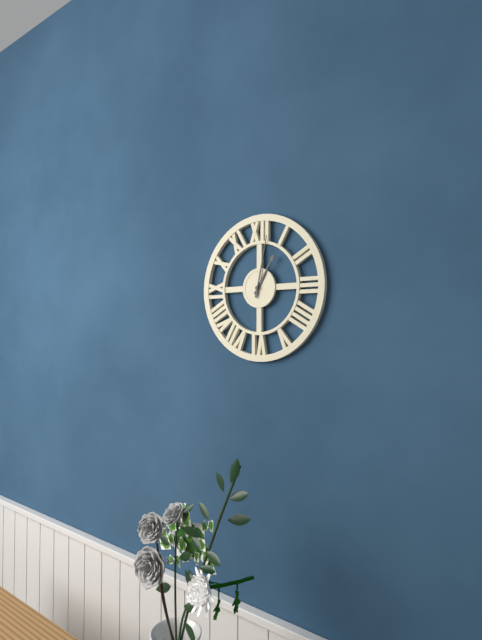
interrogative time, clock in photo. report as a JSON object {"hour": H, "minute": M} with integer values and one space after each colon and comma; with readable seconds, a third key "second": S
{"hour": 1, "minute": 2}
